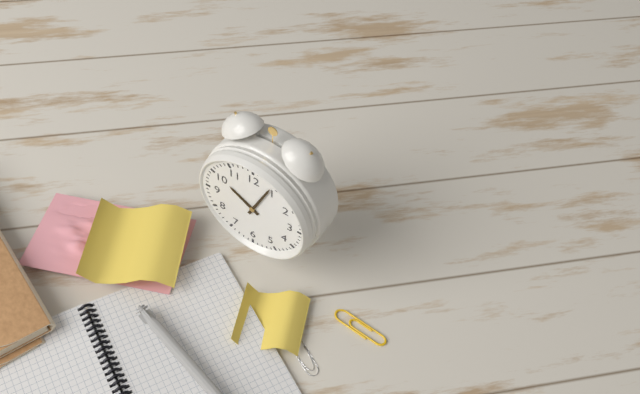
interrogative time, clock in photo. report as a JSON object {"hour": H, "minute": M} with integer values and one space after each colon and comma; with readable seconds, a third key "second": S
{"hour": 10, "minute": 4}
